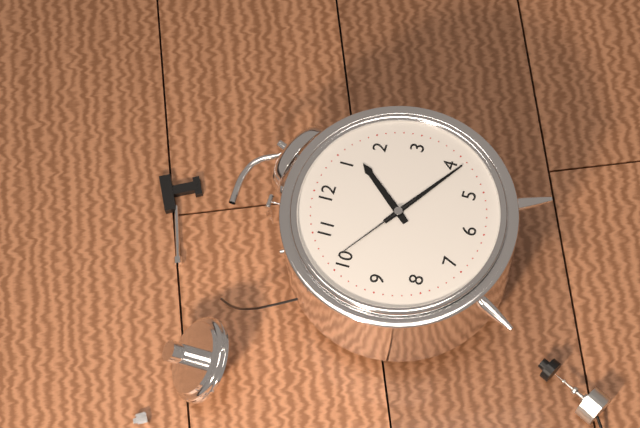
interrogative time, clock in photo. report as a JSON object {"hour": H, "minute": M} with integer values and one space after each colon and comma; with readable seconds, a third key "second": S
{"hour": 1, "minute": 21, "second": 51}
